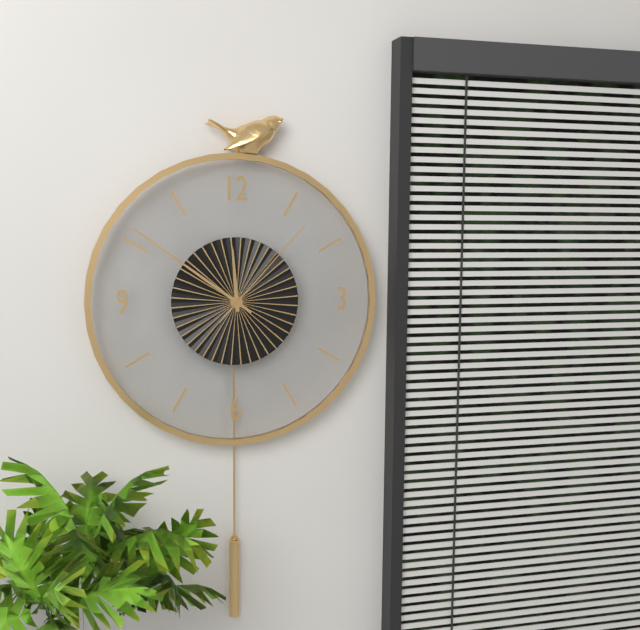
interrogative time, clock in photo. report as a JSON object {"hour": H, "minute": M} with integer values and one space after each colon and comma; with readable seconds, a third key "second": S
{"hour": 11, "minute": 51, "second": 7}
